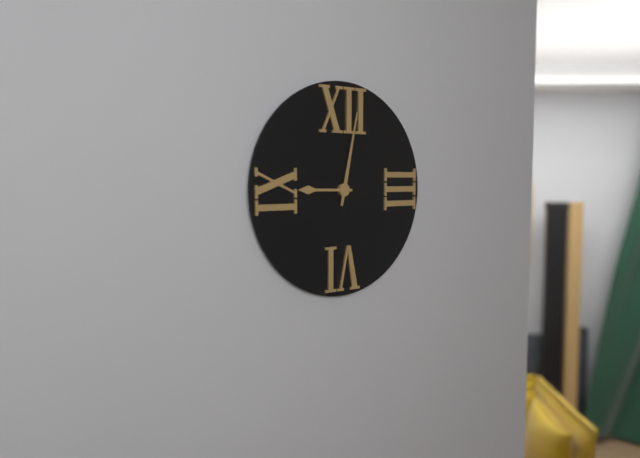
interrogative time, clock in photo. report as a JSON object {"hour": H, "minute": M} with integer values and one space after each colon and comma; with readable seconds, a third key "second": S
{"hour": 9, "minute": 2}
